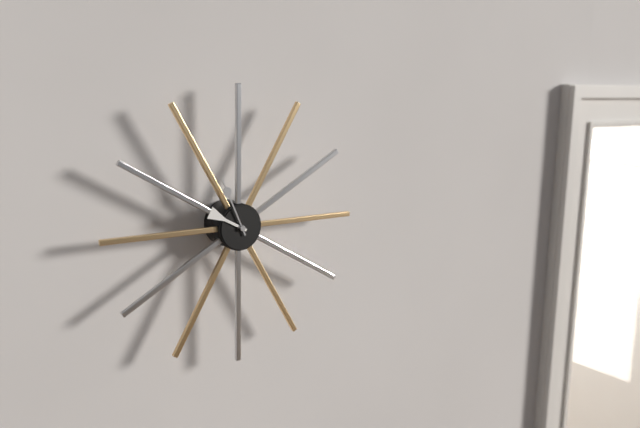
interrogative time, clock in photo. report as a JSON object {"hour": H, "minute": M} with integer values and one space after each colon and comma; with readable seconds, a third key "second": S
{"hour": 9, "minute": 56}
